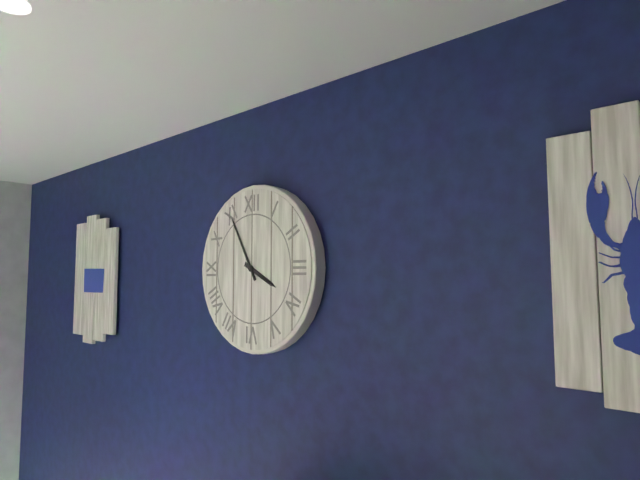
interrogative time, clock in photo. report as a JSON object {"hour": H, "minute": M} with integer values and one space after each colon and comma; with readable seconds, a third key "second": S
{"hour": 3, "minute": 55}
